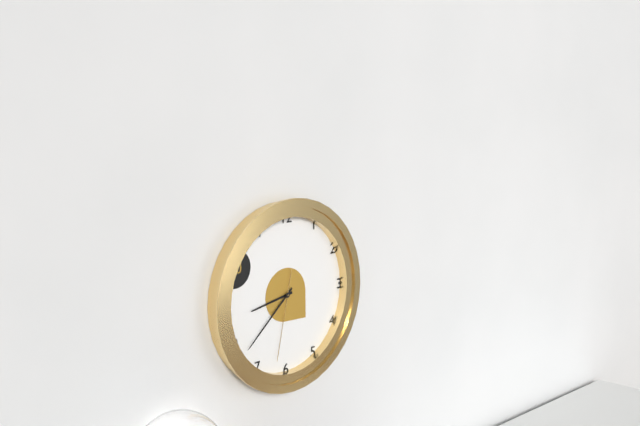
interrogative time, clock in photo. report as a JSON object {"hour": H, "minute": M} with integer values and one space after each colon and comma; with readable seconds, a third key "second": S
{"hour": 8, "minute": 38, "second": 32}
